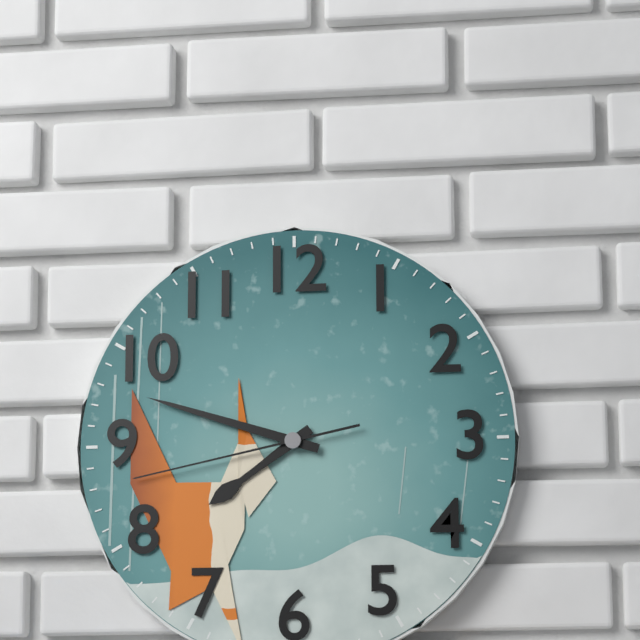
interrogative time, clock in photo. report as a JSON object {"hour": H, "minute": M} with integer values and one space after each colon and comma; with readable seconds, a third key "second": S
{"hour": 7, "minute": 48, "second": 43}
